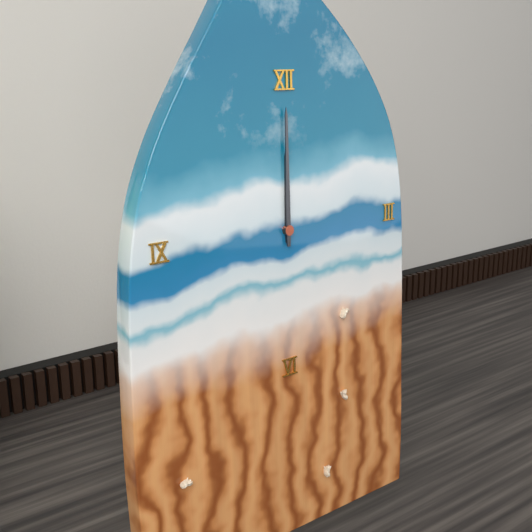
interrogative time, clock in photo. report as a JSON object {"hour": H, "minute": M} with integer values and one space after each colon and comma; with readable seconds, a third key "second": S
{"hour": 12, "minute": 0}
